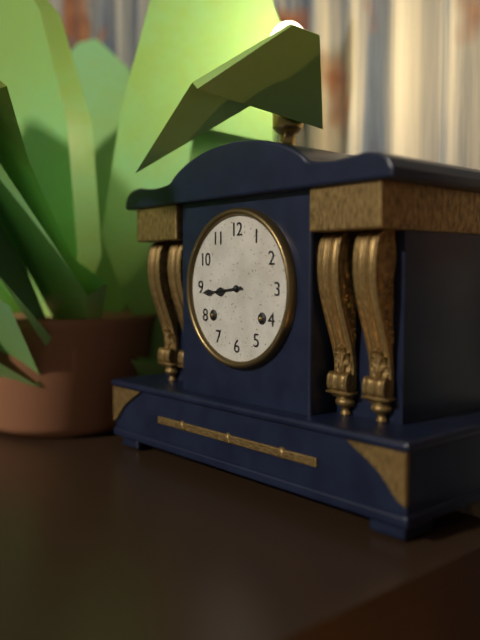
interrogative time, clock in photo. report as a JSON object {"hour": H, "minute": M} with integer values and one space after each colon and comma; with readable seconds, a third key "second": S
{"hour": 8, "minute": 44}
